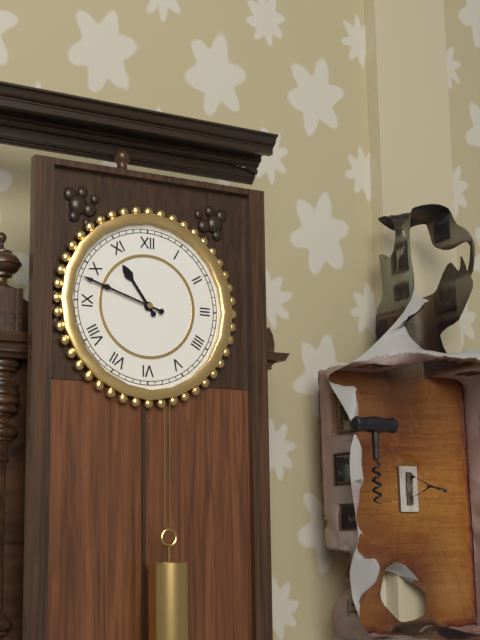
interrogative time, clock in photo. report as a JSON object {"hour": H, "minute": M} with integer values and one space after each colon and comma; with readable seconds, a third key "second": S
{"hour": 10, "minute": 48}
